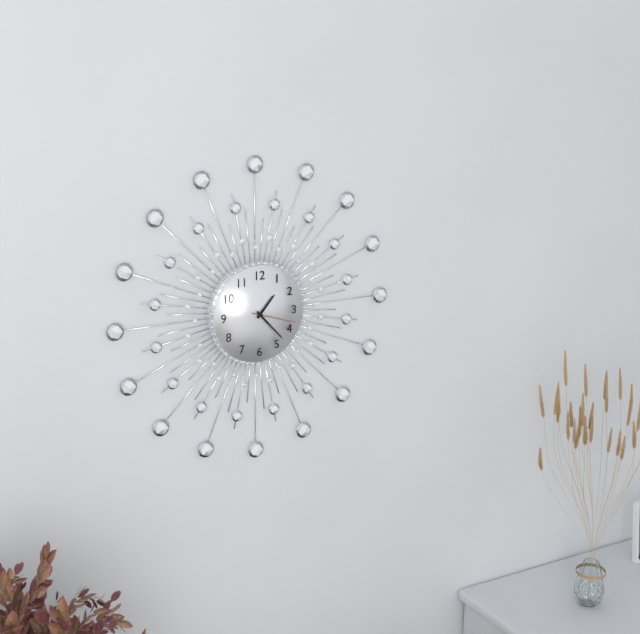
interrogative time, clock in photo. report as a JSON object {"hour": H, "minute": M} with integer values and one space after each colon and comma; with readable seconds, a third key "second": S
{"hour": 1, "minute": 23}
